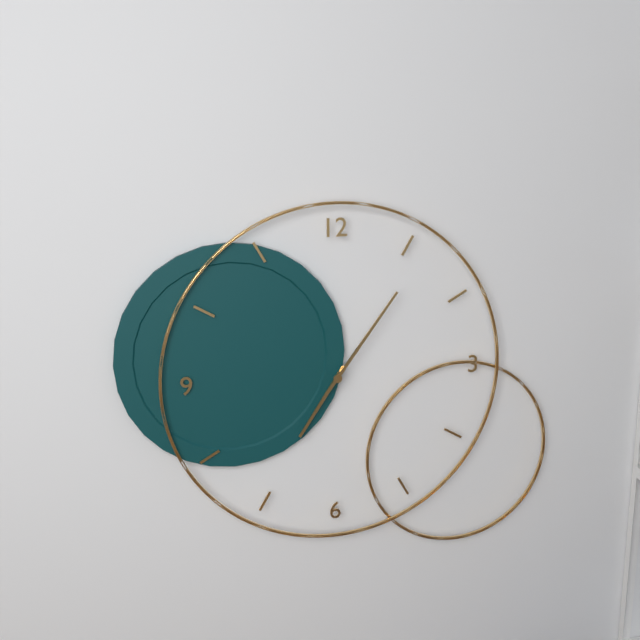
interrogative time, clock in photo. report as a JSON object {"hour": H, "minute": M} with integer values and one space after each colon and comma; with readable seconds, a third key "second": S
{"hour": 7, "minute": 6}
